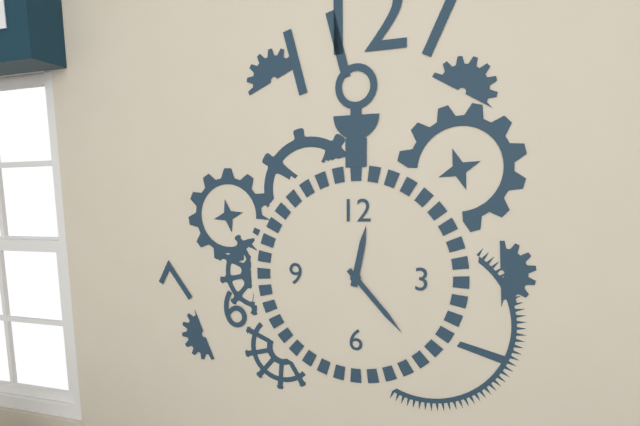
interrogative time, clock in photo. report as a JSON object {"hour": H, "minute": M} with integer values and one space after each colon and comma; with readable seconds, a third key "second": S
{"hour": 12, "minute": 23}
